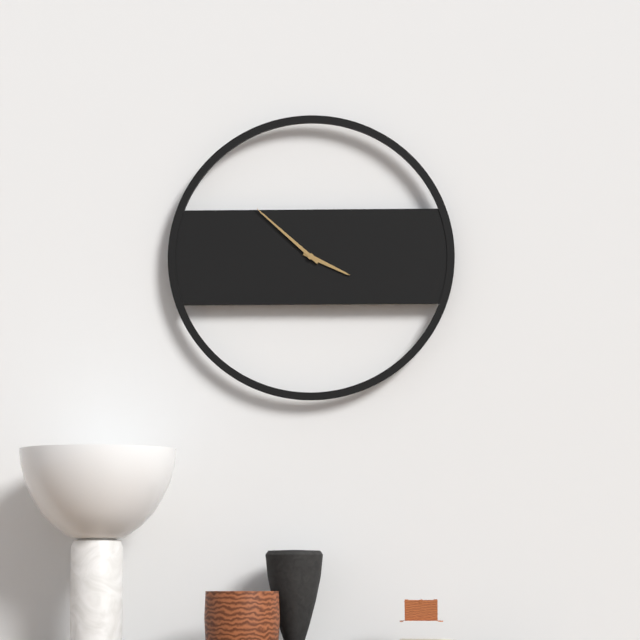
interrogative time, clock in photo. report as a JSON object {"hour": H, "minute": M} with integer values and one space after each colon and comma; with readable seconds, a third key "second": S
{"hour": 3, "minute": 52}
